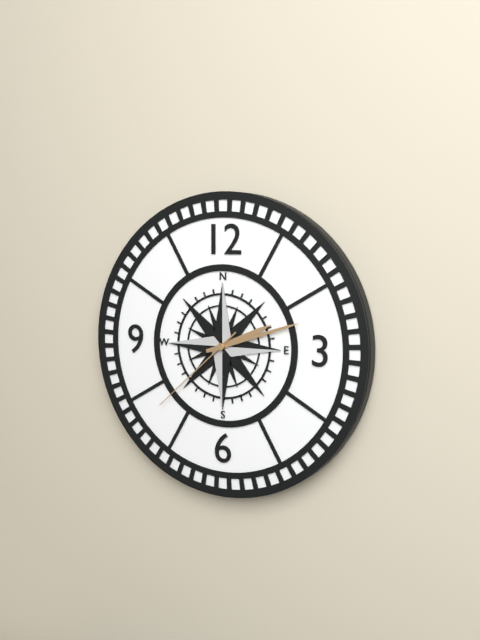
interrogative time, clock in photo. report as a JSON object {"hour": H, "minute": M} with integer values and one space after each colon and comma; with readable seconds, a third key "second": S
{"hour": 2, "minute": 12, "second": 38}
